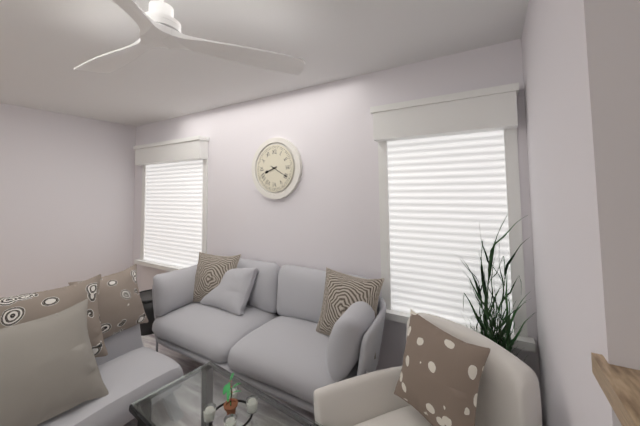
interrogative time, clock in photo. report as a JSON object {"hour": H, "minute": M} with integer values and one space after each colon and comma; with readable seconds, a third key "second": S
{"hour": 8, "minute": 20}
